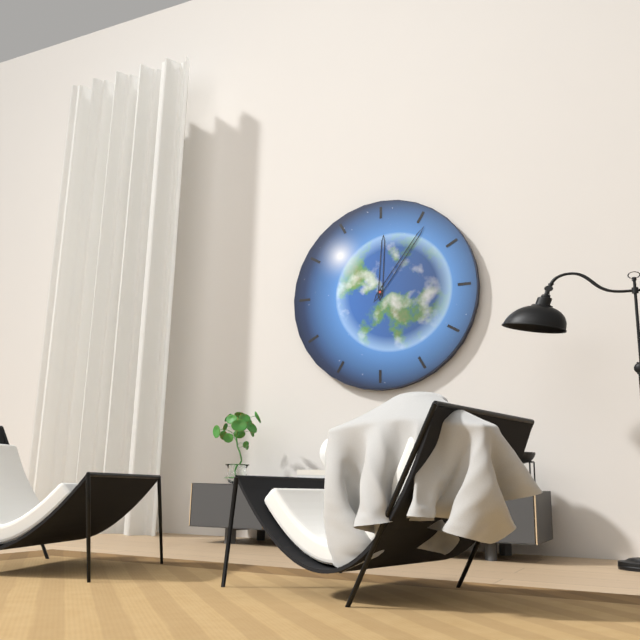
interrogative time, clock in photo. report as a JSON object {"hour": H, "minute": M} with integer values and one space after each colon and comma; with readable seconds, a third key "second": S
{"hour": 12, "minute": 6}
